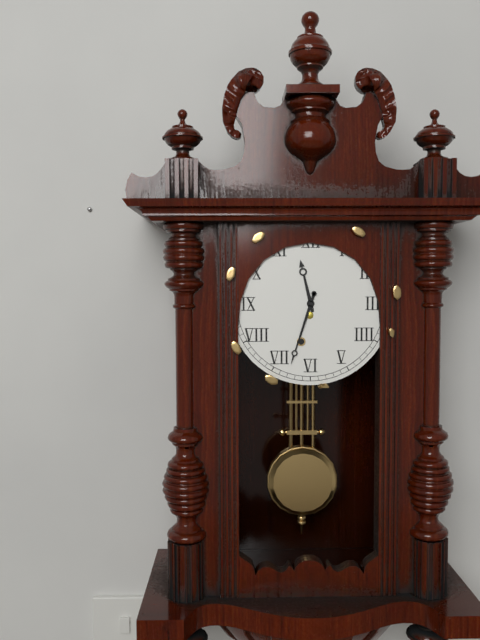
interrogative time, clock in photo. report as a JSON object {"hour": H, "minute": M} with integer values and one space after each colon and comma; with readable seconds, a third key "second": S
{"hour": 11, "minute": 33}
